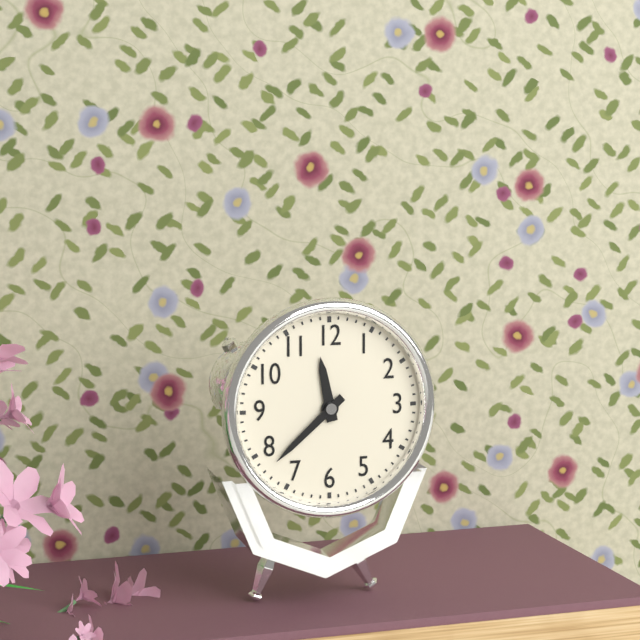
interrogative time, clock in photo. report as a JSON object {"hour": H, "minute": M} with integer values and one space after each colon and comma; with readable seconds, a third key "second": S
{"hour": 11, "minute": 38}
